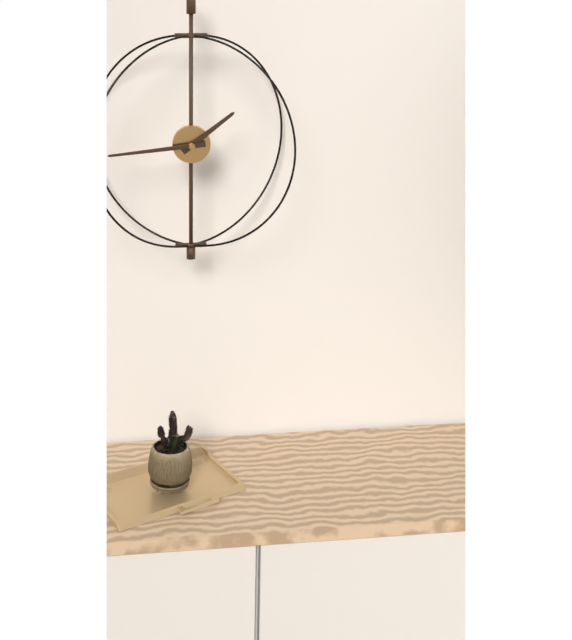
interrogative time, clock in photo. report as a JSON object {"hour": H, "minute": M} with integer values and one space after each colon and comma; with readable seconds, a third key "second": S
{"hour": 1, "minute": 44}
